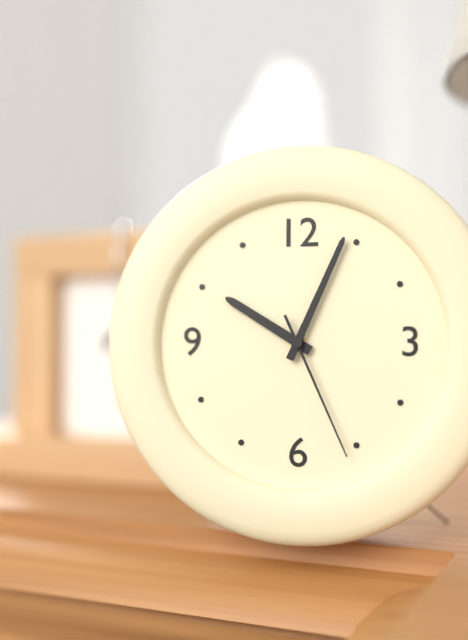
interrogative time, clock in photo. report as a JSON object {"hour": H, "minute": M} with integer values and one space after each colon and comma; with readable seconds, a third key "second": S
{"hour": 10, "minute": 4, "second": 26}
